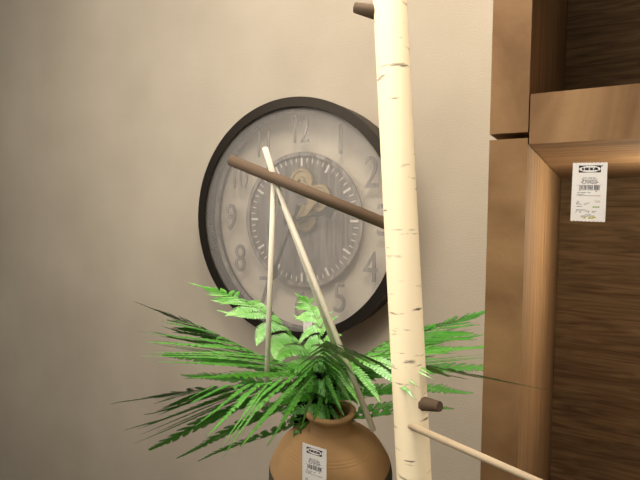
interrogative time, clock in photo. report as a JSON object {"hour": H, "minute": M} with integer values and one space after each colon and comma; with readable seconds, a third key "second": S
{"hour": 2, "minute": 34}
